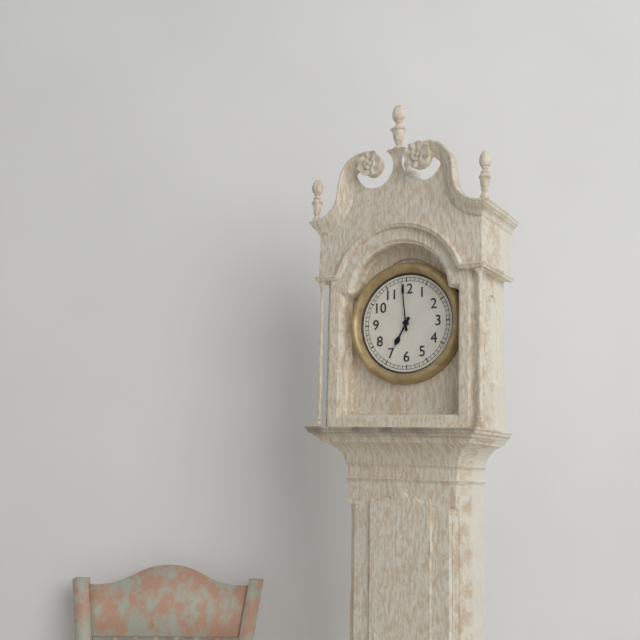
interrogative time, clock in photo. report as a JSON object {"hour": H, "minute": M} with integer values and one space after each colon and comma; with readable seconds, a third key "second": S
{"hour": 6, "minute": 59}
